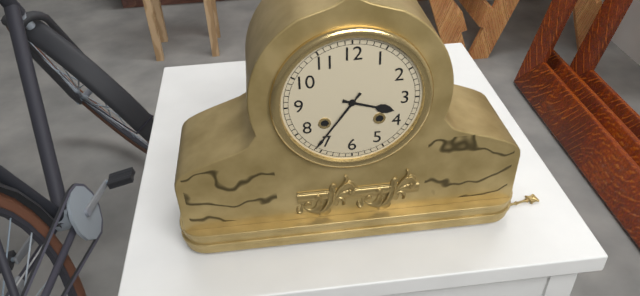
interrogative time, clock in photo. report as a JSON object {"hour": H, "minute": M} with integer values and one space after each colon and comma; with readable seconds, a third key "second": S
{"hour": 3, "minute": 36}
